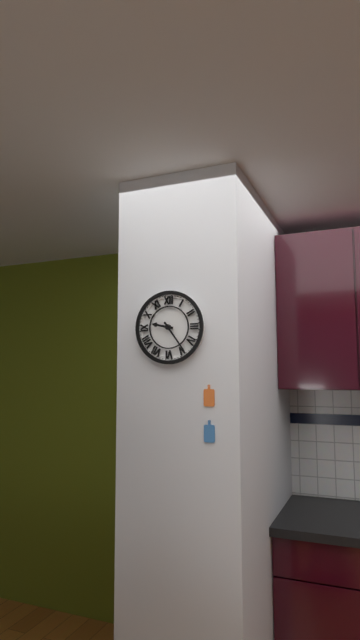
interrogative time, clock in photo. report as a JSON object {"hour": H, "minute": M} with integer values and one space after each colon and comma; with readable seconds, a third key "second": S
{"hour": 9, "minute": 24}
